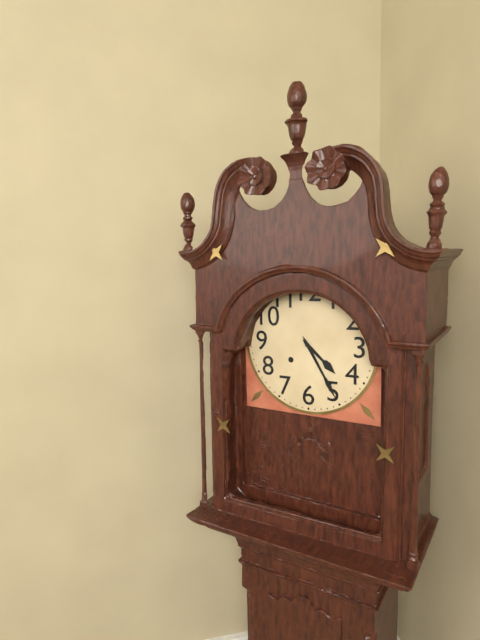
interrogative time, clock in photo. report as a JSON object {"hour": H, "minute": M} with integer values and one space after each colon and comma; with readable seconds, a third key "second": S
{"hour": 4, "minute": 25}
